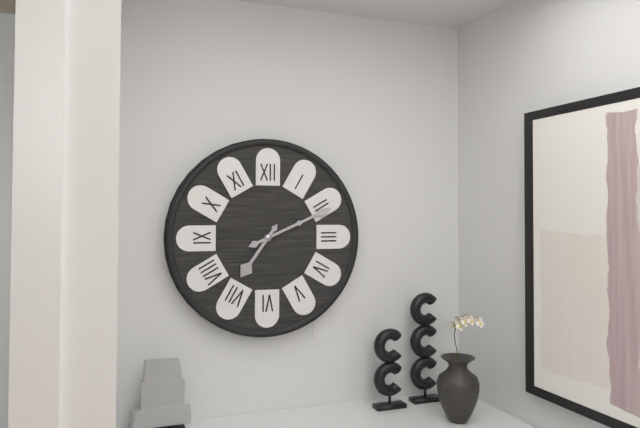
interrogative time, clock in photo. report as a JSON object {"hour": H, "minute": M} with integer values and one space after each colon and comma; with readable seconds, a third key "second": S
{"hour": 7, "minute": 11}
